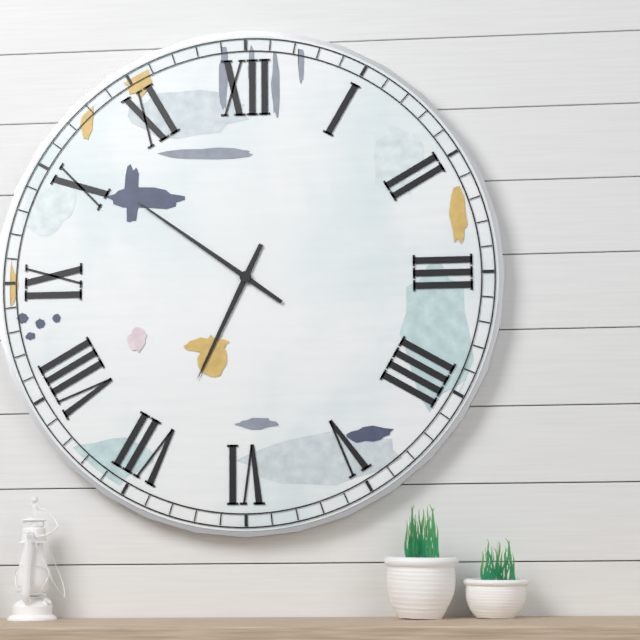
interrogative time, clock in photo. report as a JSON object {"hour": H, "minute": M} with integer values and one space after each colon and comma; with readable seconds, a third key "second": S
{"hour": 6, "minute": 51}
